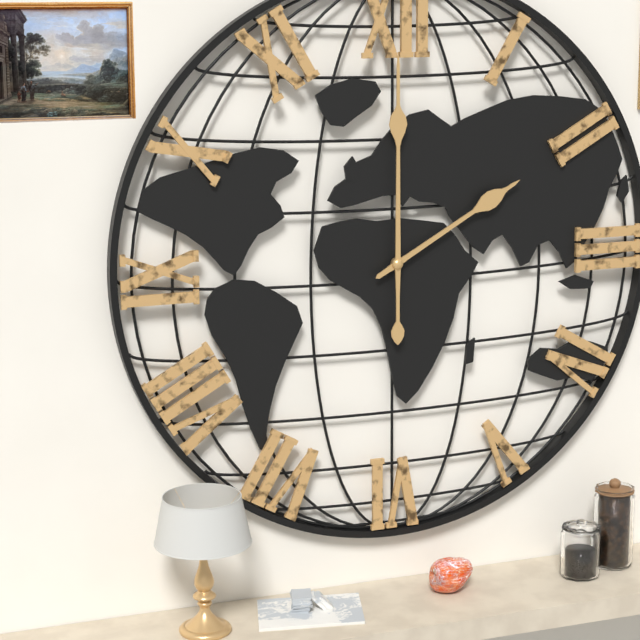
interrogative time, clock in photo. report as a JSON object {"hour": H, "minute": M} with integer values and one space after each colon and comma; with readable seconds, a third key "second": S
{"hour": 2, "minute": 0}
